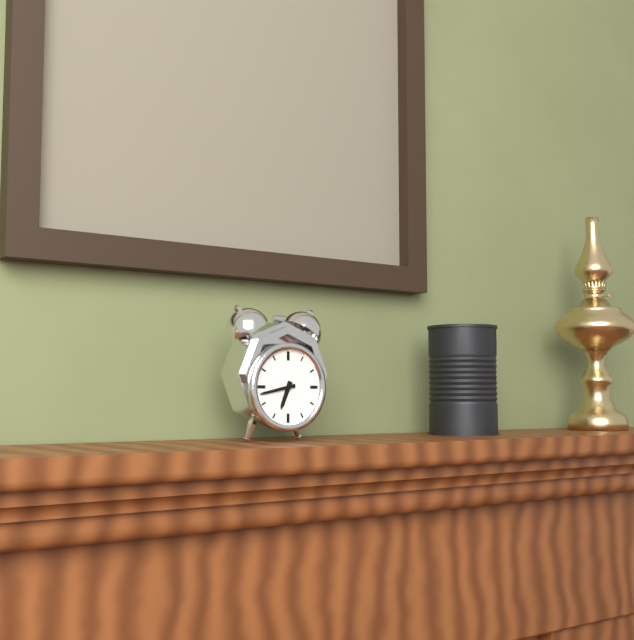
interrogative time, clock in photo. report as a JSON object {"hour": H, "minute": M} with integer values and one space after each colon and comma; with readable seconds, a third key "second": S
{"hour": 6, "minute": 43}
